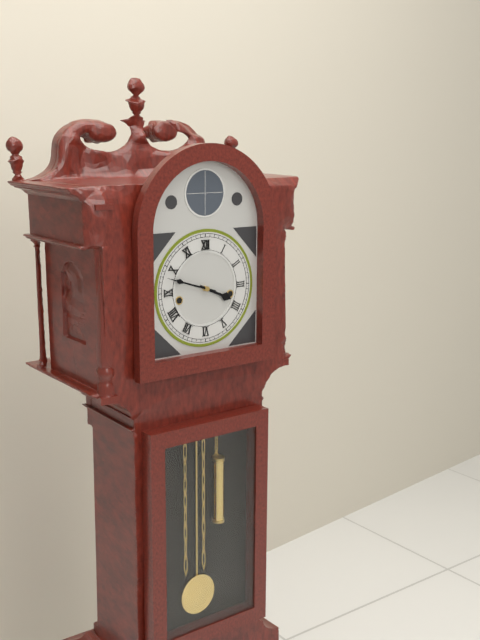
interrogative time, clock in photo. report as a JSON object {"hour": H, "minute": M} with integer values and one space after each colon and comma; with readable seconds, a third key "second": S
{"hour": 3, "minute": 48}
